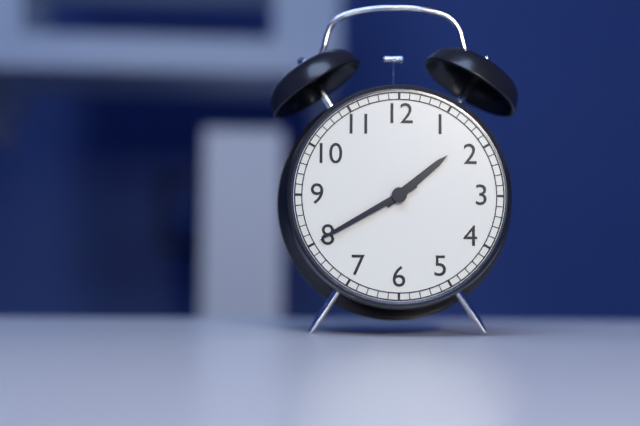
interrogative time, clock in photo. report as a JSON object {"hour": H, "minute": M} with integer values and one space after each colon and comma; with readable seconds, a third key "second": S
{"hour": 1, "minute": 40}
